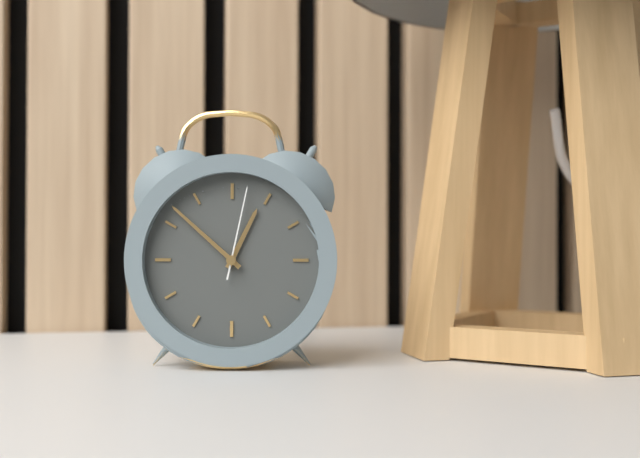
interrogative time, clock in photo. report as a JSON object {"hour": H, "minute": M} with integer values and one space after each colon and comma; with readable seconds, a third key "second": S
{"hour": 12, "minute": 52, "second": 2}
